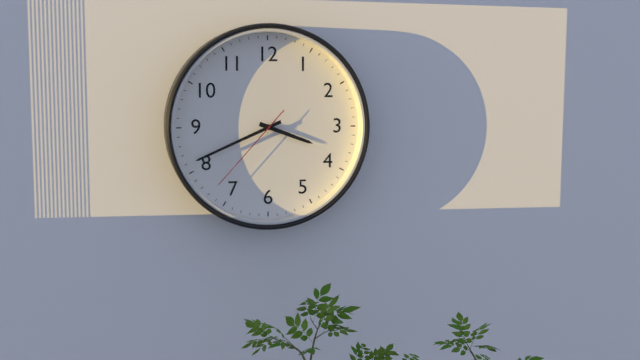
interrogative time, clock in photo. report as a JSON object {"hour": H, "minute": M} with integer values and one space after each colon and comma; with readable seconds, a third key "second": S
{"hour": 3, "minute": 41, "second": 37}
